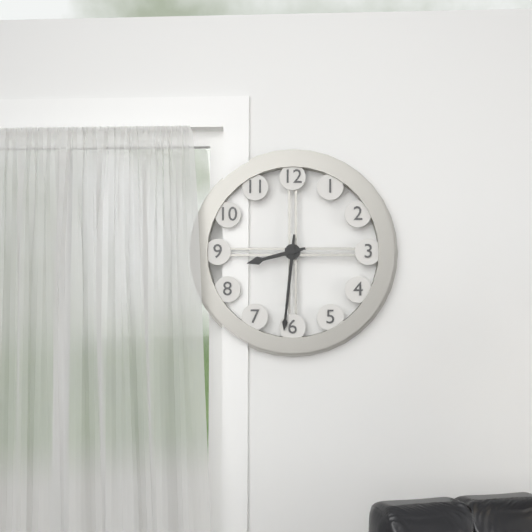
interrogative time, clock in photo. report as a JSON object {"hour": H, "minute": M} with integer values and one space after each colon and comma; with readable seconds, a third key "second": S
{"hour": 8, "minute": 31}
